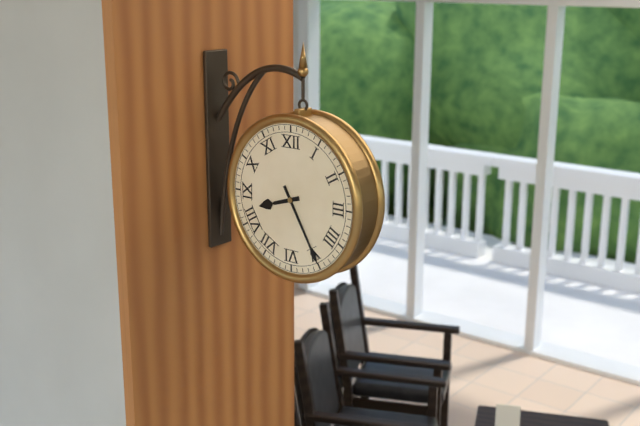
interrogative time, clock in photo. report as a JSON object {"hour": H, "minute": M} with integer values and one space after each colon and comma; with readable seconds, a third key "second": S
{"hour": 8, "minute": 25}
